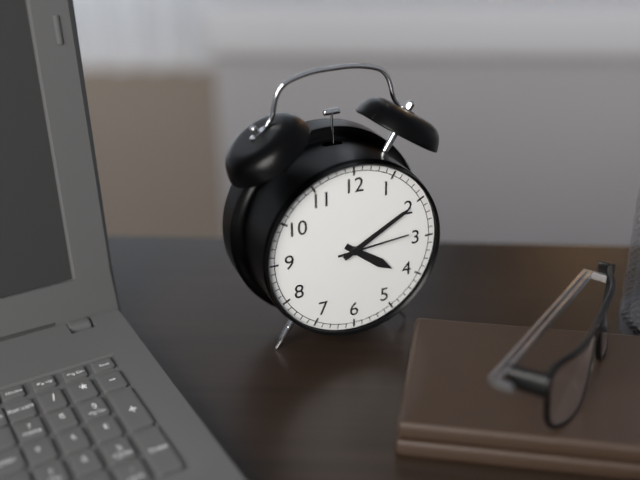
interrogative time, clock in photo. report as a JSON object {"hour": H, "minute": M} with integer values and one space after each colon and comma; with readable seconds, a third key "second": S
{"hour": 4, "minute": 10, "second": 14}
